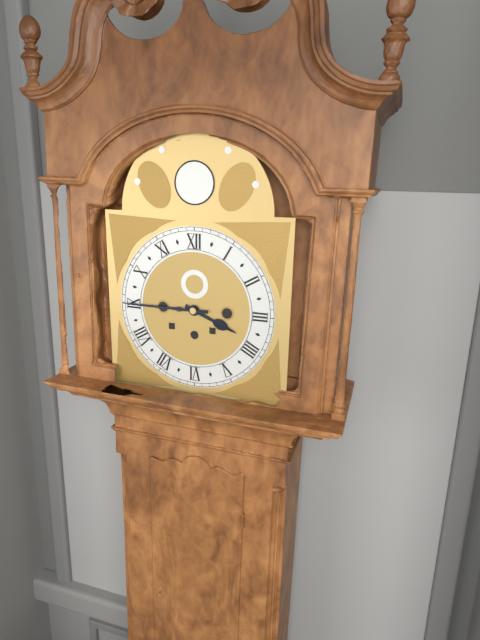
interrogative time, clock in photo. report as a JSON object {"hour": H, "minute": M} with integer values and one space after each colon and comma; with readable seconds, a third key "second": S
{"hour": 3, "minute": 45}
